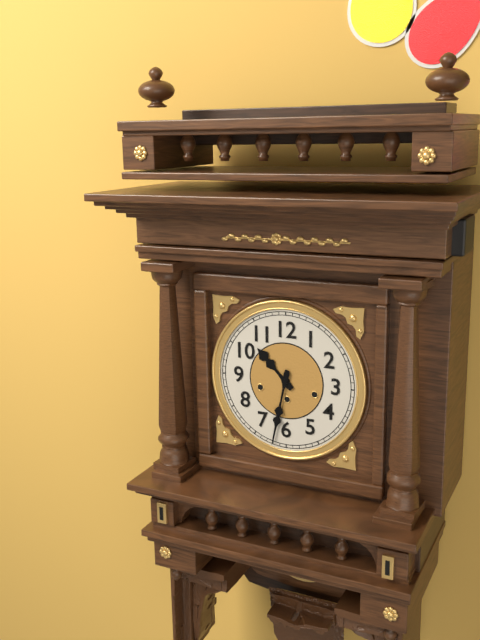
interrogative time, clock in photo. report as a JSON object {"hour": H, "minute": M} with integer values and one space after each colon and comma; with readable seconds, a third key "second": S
{"hour": 10, "minute": 32}
